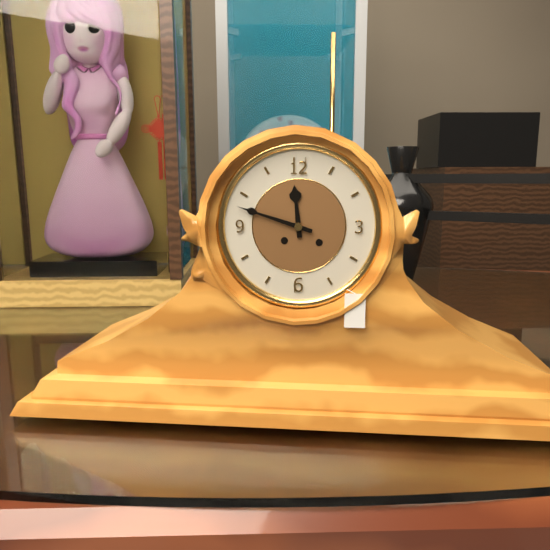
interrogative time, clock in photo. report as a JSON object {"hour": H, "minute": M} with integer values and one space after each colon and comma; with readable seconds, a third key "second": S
{"hour": 11, "minute": 48}
